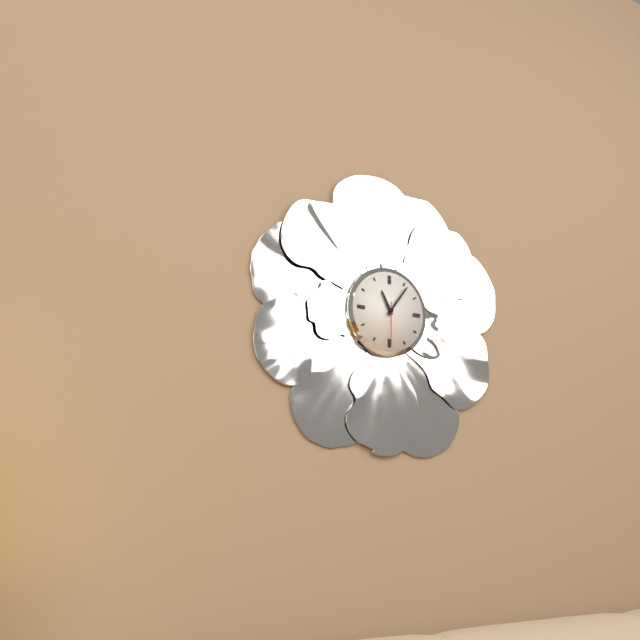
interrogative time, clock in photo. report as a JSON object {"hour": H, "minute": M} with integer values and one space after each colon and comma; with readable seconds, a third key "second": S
{"hour": 11, "minute": 6}
